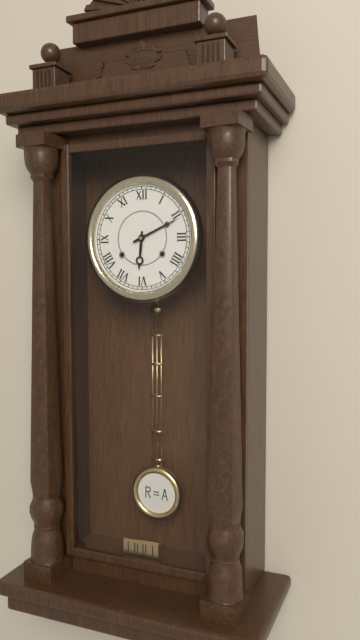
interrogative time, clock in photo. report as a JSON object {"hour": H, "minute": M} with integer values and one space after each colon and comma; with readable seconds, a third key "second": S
{"hour": 6, "minute": 11}
